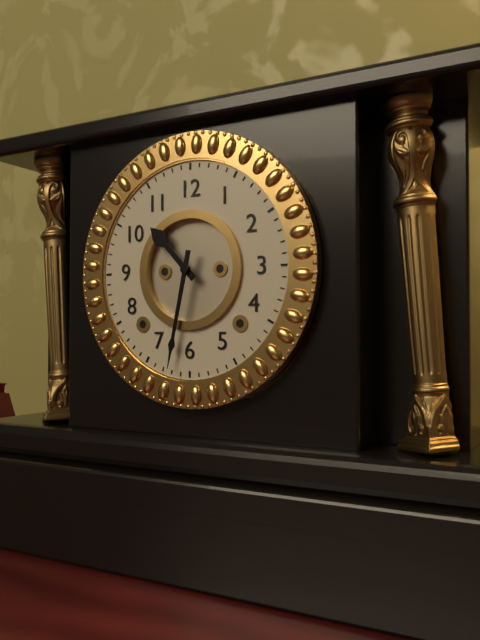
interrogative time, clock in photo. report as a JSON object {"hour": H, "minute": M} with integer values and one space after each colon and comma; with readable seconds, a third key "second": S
{"hour": 10, "minute": 32}
